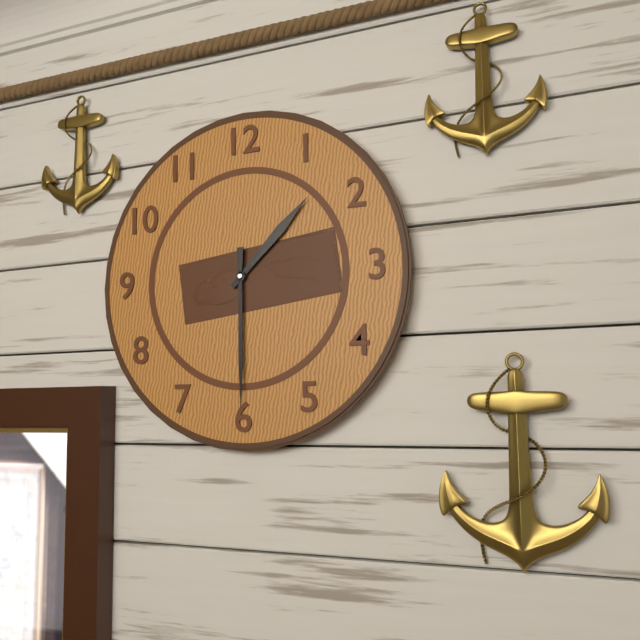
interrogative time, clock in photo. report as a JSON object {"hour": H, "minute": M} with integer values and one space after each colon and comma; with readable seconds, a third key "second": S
{"hour": 1, "minute": 30}
